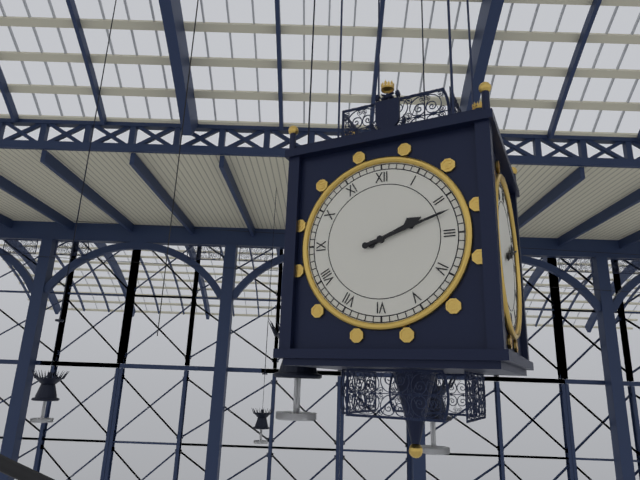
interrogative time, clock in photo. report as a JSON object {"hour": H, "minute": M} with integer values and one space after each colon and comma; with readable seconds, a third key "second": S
{"hour": 2, "minute": 12}
